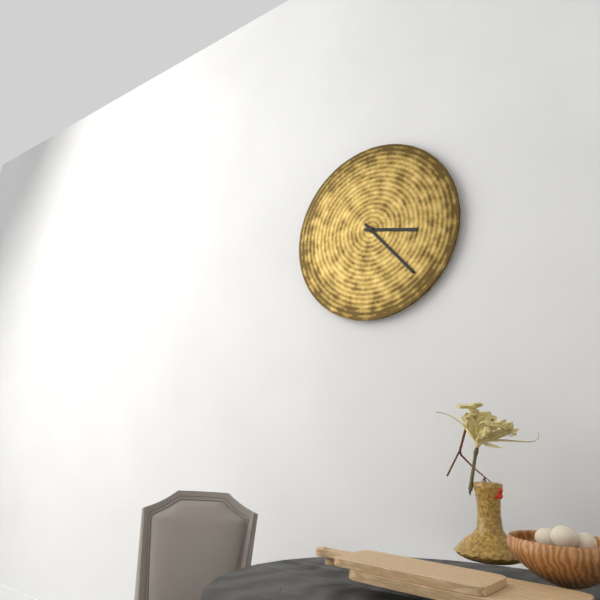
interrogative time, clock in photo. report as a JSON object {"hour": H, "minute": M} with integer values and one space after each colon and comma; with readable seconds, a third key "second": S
{"hour": 3, "minute": 23}
